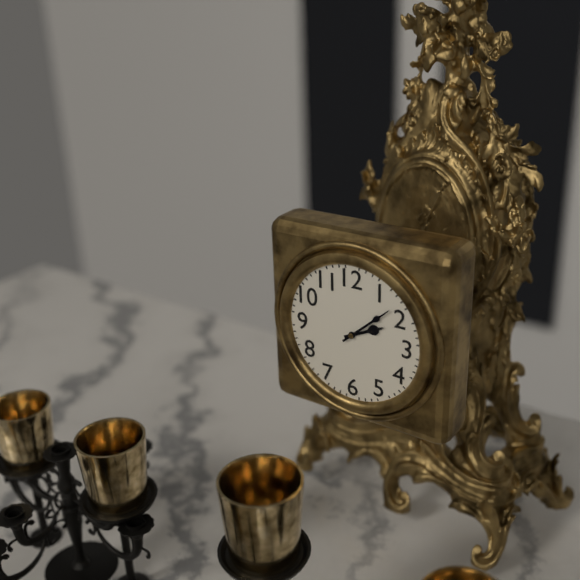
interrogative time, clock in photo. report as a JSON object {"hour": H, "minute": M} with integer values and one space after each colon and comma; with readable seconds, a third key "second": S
{"hour": 2, "minute": 8}
